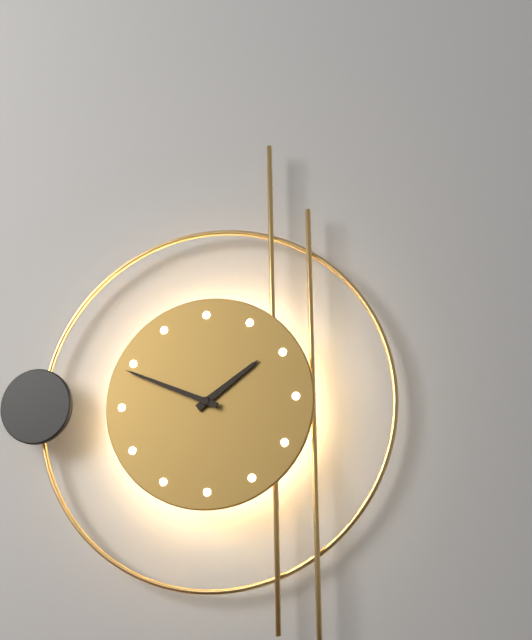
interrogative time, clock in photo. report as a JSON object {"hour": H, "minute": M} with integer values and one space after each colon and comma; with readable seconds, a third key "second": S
{"hour": 1, "minute": 49}
